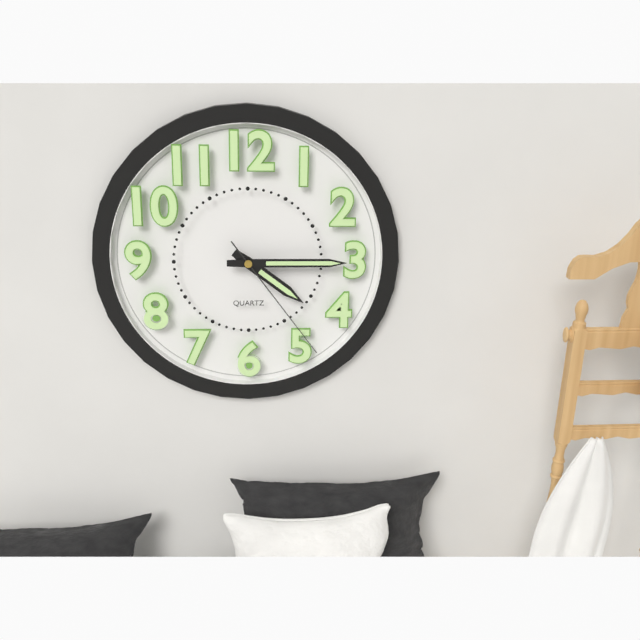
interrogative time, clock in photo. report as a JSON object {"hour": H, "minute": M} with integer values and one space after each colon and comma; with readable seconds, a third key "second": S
{"hour": 4, "minute": 15, "second": 24}
